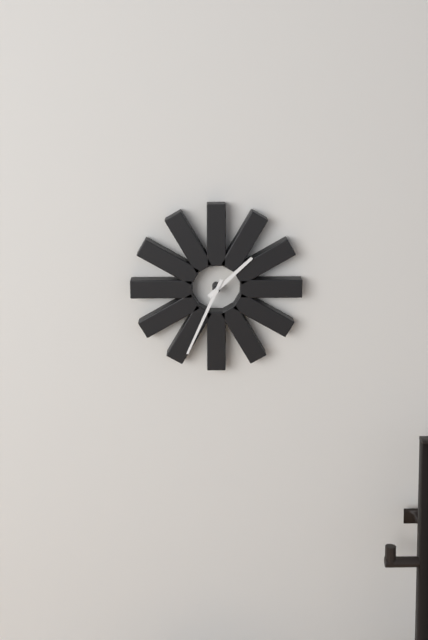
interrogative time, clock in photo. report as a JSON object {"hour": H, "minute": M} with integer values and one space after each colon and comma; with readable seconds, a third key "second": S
{"hour": 1, "minute": 34}
